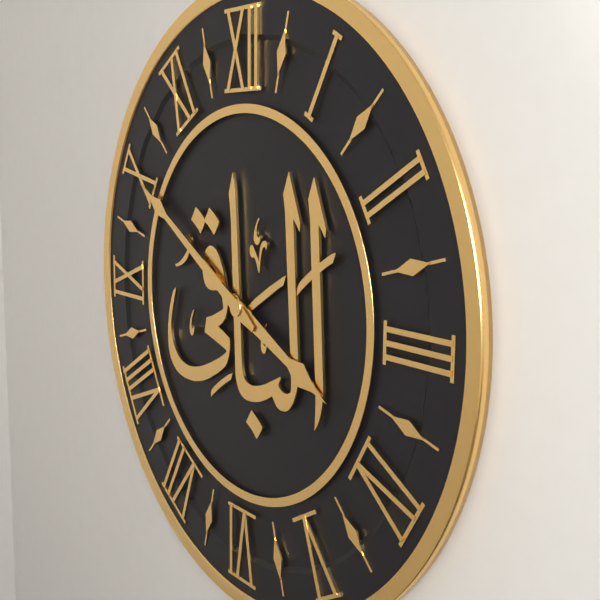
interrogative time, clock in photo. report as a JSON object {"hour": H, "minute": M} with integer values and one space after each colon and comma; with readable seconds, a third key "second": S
{"hour": 3, "minute": 50}
